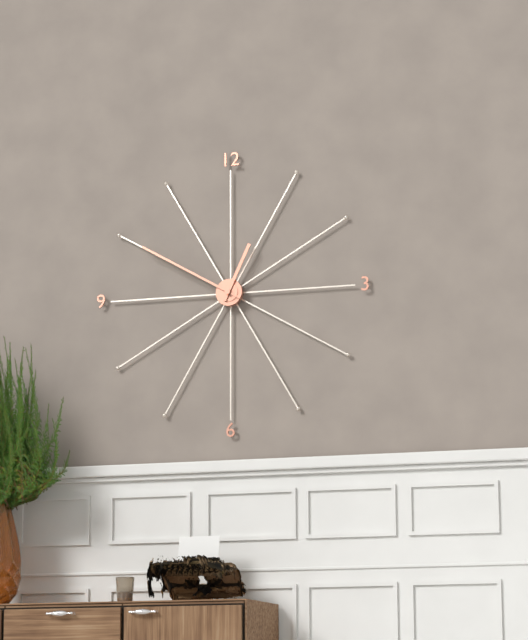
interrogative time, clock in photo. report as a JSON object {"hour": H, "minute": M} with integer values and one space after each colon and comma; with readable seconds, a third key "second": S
{"hour": 12, "minute": 50}
